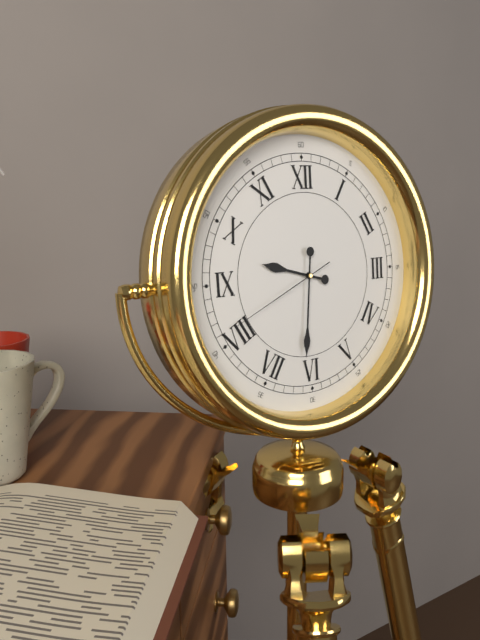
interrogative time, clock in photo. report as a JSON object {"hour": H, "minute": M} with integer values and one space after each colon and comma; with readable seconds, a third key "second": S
{"hour": 9, "minute": 31, "second": 41}
